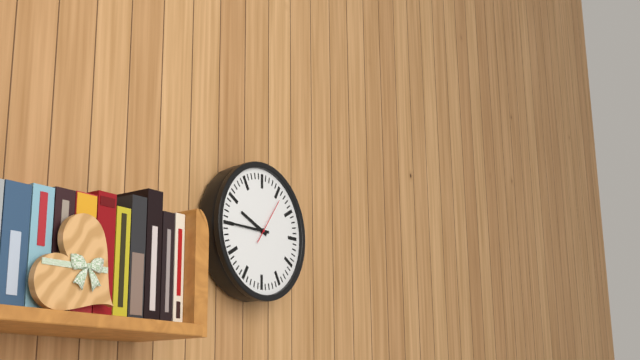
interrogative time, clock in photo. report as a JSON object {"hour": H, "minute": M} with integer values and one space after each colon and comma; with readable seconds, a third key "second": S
{"hour": 9, "minute": 45}
